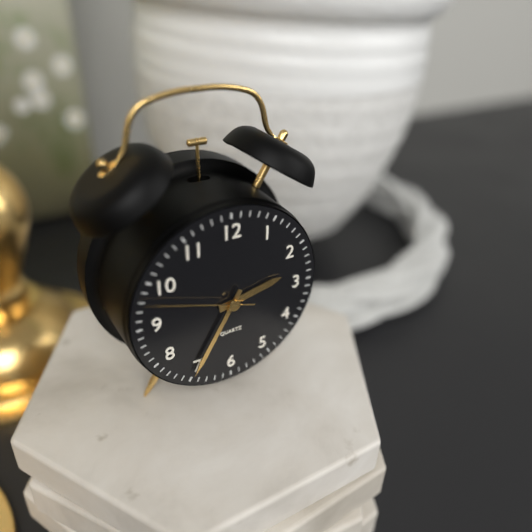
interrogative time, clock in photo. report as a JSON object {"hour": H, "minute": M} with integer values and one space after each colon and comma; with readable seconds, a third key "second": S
{"hour": 2, "minute": 35, "second": 48}
